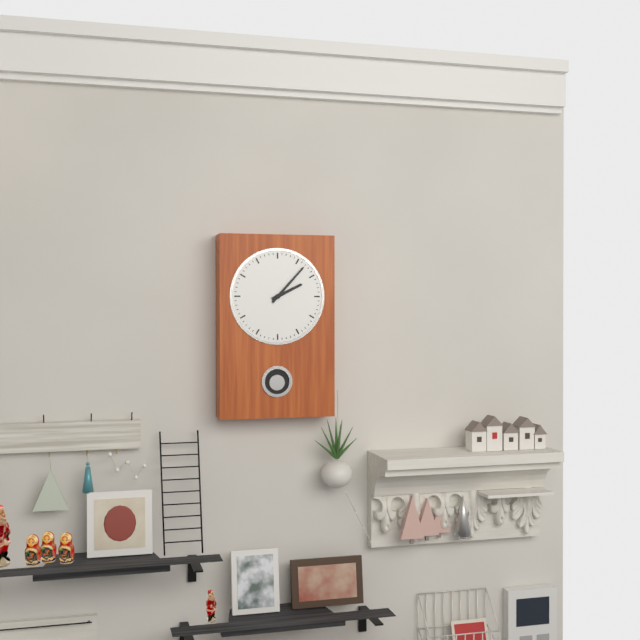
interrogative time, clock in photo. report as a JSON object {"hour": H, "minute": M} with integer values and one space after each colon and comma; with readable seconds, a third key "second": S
{"hour": 2, "minute": 7}
